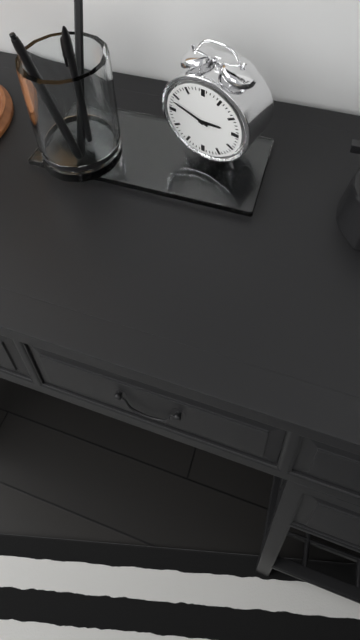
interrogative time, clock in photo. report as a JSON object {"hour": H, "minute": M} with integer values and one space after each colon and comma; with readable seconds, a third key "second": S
{"hour": 2, "minute": 48}
